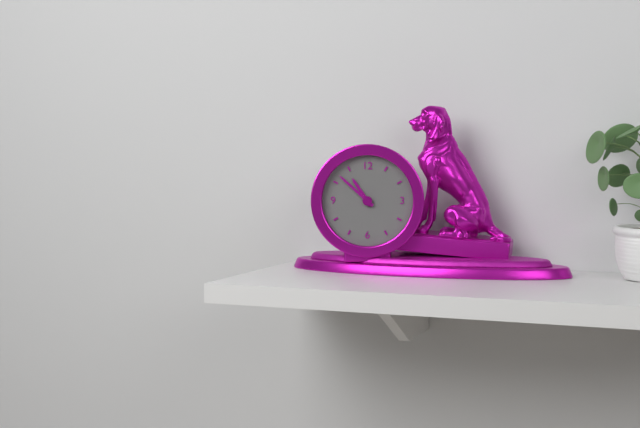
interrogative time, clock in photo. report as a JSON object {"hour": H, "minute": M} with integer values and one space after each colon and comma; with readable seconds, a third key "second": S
{"hour": 10, "minute": 52}
